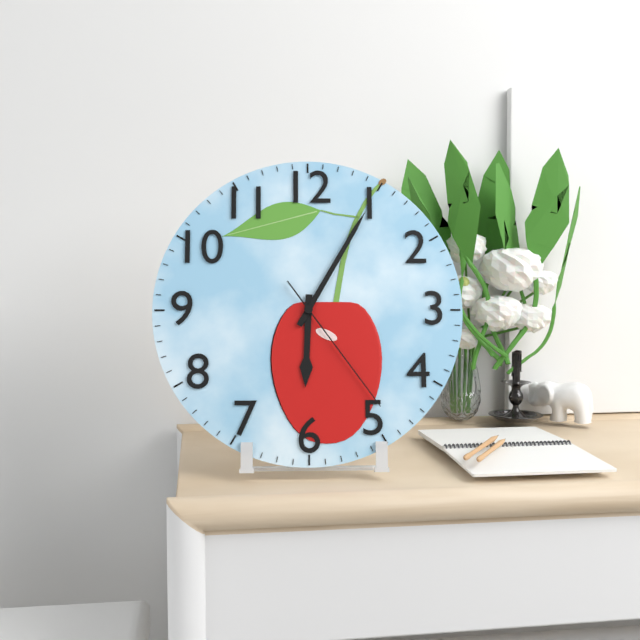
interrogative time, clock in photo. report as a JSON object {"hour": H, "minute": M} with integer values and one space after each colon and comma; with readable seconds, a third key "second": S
{"hour": 6, "minute": 5, "second": 24}
